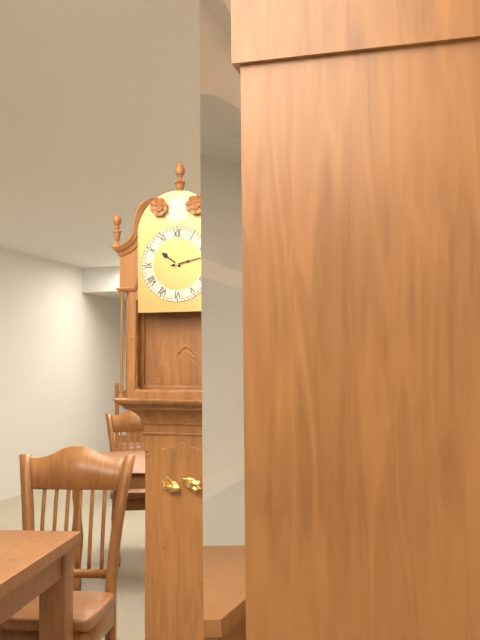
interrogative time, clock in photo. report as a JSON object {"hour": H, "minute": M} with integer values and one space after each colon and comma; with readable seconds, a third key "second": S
{"hour": 10, "minute": 13}
